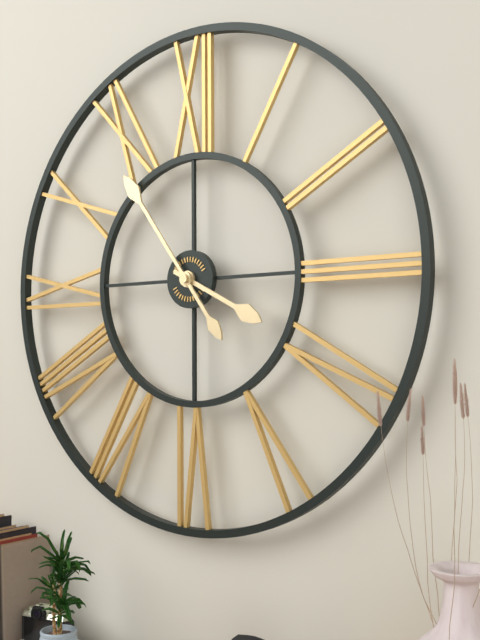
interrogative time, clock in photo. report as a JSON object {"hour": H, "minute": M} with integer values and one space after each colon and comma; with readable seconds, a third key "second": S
{"hour": 3, "minute": 54}
